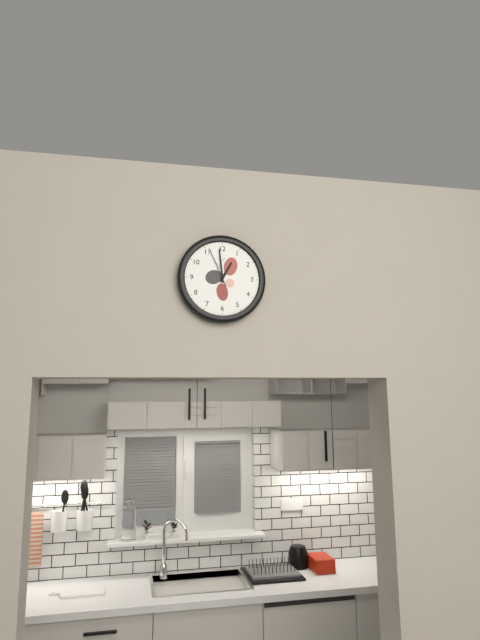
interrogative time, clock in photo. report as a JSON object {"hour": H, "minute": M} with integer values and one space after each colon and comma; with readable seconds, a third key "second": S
{"hour": 12, "minute": 59}
